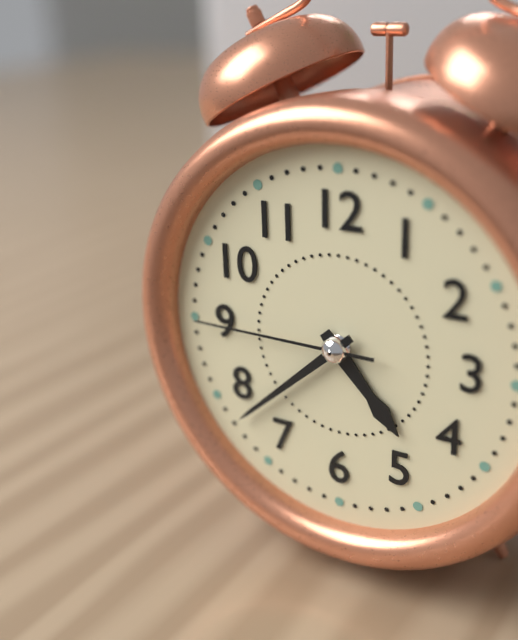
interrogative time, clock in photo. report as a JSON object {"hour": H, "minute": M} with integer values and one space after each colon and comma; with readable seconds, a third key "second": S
{"hour": 4, "minute": 38, "second": 45}
